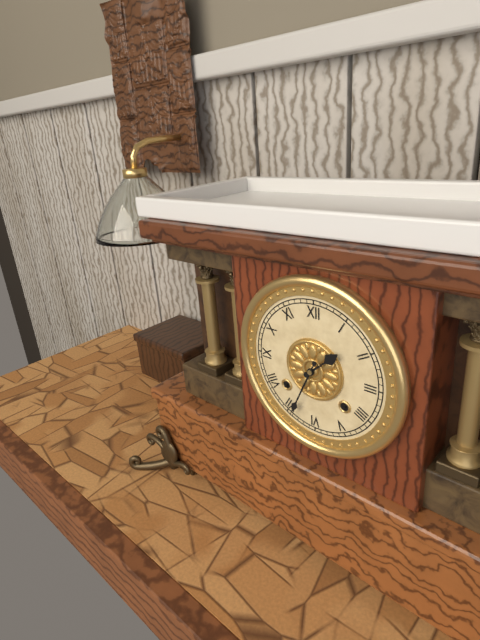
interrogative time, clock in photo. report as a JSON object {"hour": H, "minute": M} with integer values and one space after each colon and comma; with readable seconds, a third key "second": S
{"hour": 1, "minute": 34}
